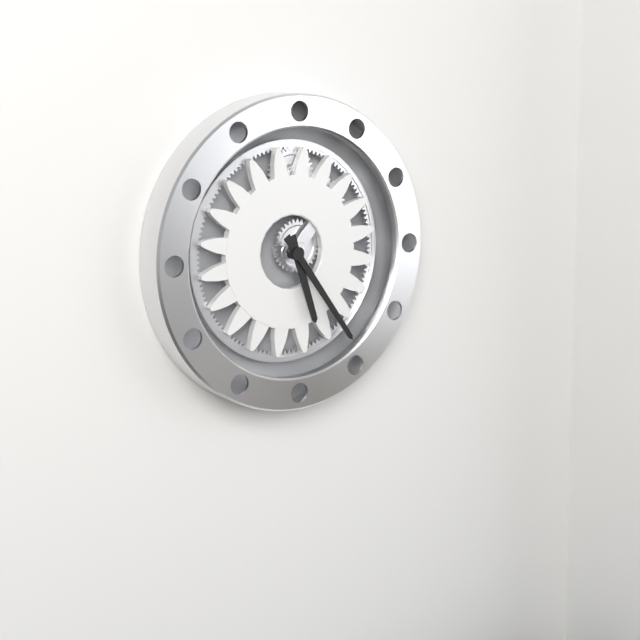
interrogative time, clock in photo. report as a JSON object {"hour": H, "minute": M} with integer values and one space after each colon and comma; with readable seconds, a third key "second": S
{"hour": 5, "minute": 24}
